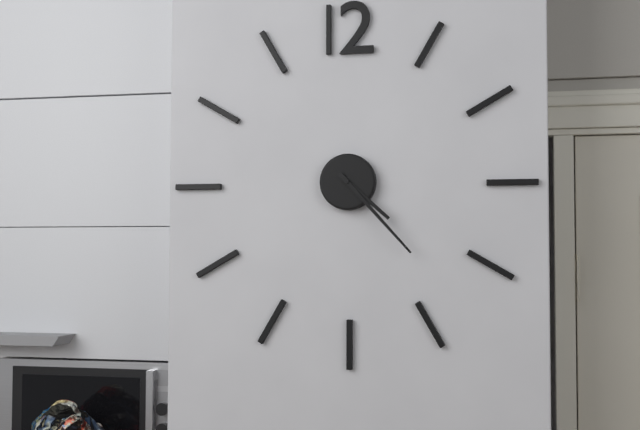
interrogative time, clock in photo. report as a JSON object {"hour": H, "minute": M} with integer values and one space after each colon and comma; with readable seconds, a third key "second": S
{"hour": 4, "minute": 23}
